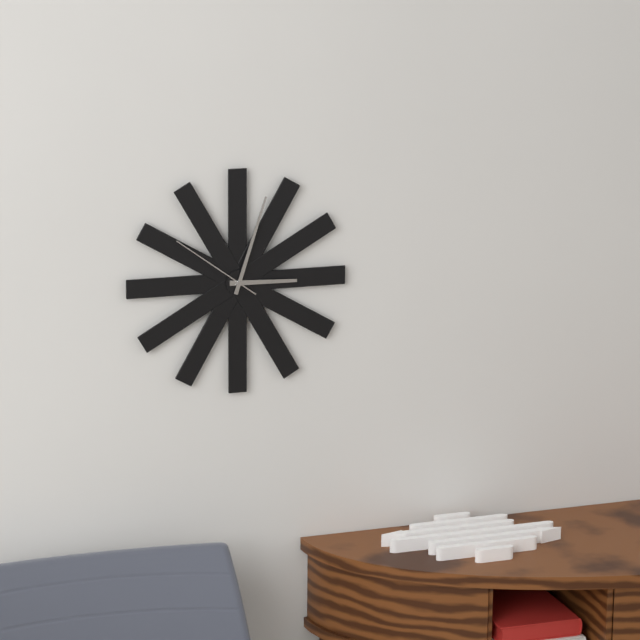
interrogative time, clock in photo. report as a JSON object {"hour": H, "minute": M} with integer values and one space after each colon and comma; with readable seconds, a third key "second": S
{"hour": 3, "minute": 3, "second": 51}
